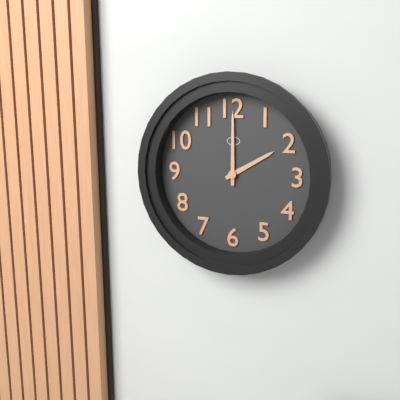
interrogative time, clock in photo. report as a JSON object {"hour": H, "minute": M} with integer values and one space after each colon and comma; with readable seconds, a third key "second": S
{"hour": 2, "minute": 0}
